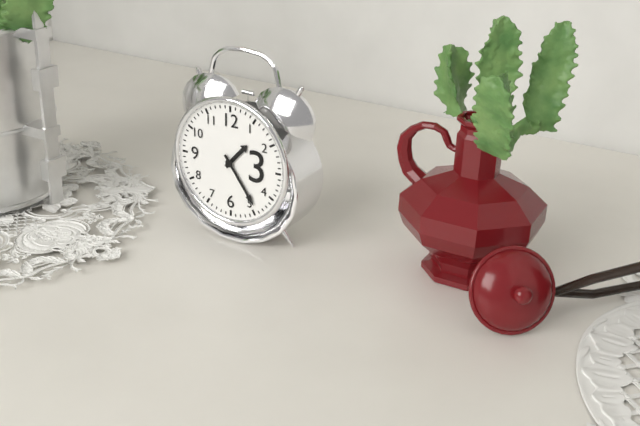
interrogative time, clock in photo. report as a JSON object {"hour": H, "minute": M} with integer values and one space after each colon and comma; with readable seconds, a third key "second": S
{"hour": 1, "minute": 24}
